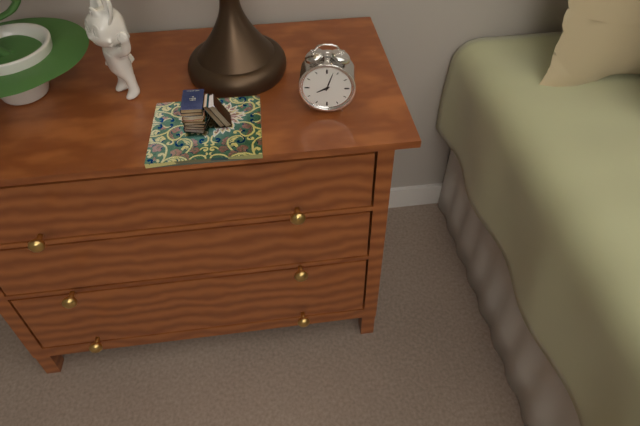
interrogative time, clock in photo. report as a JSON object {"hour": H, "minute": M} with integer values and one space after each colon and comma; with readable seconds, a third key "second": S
{"hour": 8, "minute": 3}
